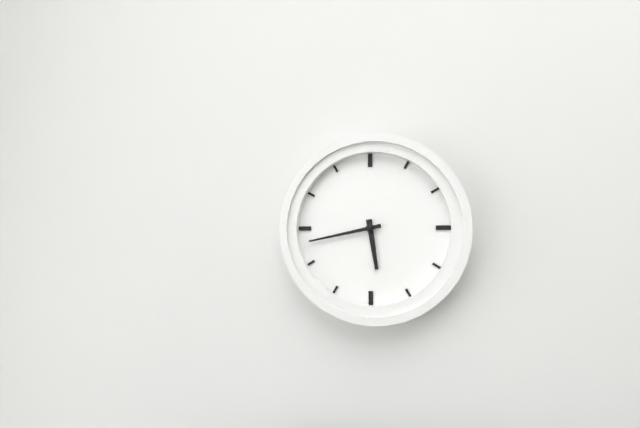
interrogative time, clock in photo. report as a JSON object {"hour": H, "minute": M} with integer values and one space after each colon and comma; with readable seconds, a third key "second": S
{"hour": 5, "minute": 43}
